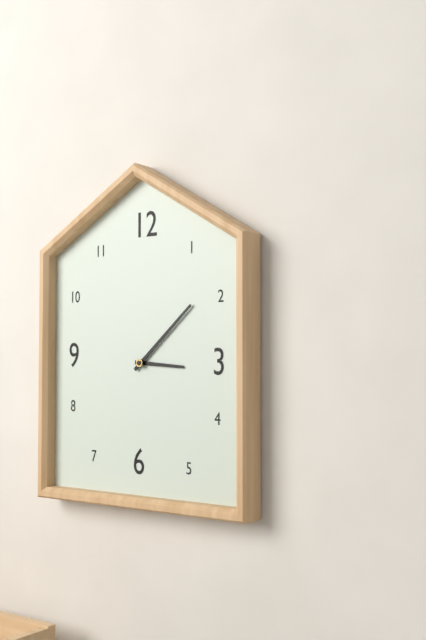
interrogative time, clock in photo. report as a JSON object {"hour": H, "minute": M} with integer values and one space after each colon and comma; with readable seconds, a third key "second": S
{"hour": 3, "minute": 8}
